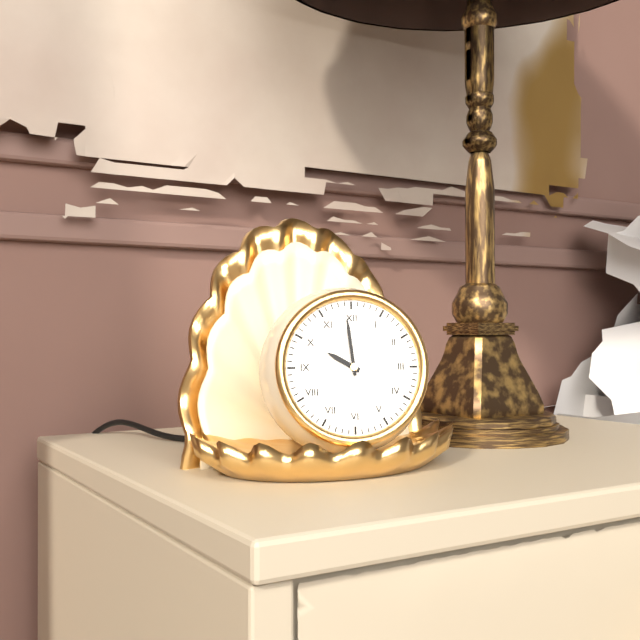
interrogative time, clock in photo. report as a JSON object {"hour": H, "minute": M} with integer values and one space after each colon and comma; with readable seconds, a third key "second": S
{"hour": 9, "minute": 59}
